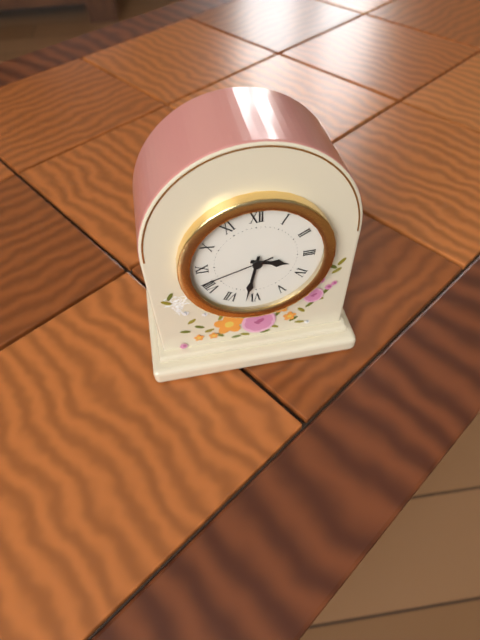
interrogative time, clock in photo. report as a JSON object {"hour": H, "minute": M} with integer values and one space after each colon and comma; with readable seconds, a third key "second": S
{"hour": 3, "minute": 32, "second": 42}
